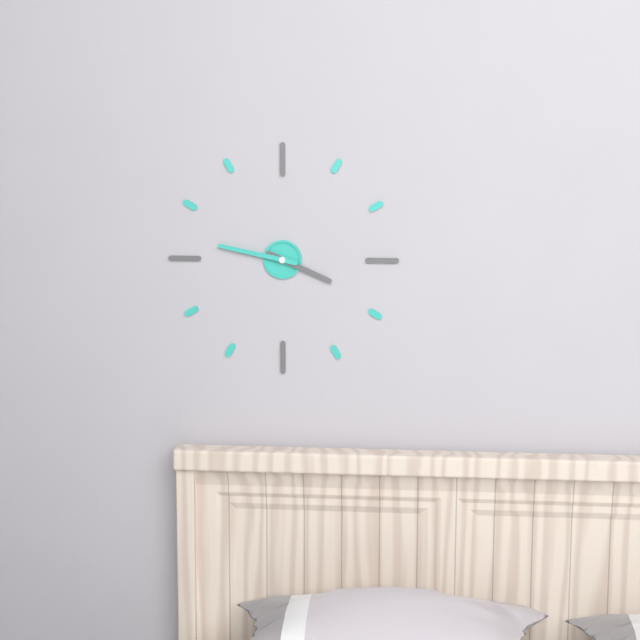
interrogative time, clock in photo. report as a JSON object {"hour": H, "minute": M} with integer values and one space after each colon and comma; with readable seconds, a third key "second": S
{"hour": 3, "minute": 47}
